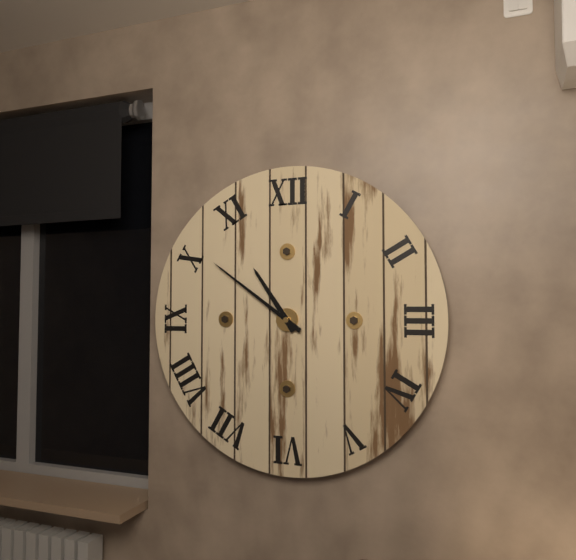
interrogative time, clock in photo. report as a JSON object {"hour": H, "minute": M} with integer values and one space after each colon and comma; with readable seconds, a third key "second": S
{"hour": 10, "minute": 51}
